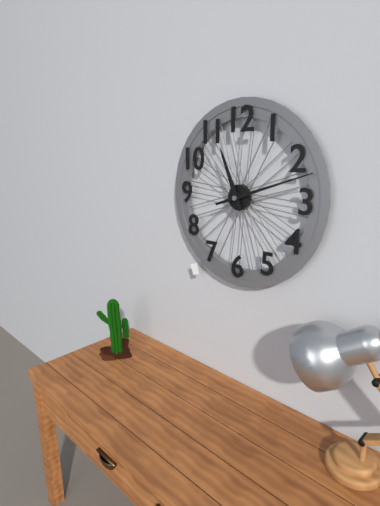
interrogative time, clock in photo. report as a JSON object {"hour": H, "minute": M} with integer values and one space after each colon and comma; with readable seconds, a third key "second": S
{"hour": 11, "minute": 12}
